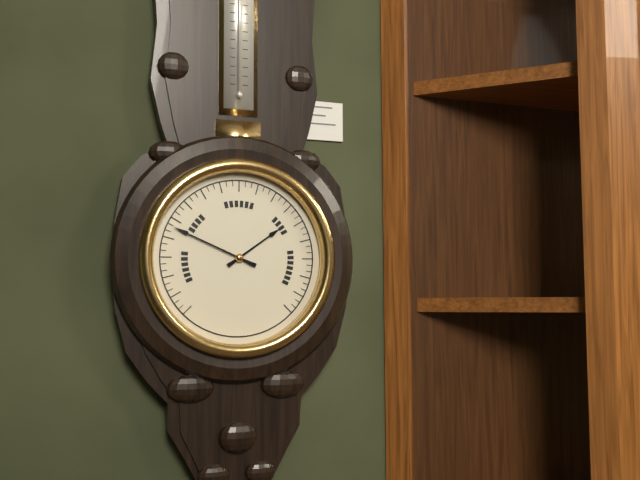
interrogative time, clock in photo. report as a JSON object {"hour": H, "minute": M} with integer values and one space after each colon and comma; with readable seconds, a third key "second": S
{"hour": 1, "minute": 49}
